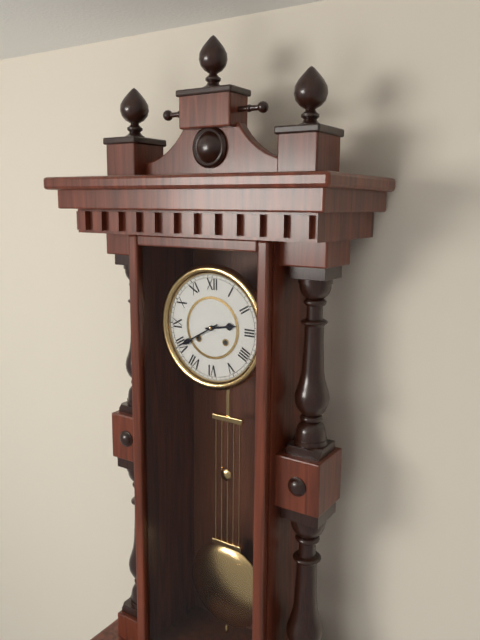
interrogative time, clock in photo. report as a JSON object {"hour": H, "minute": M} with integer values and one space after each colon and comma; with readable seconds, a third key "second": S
{"hour": 2, "minute": 40}
